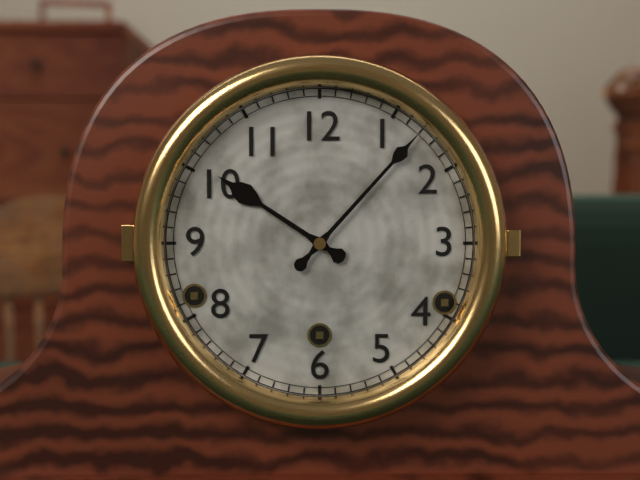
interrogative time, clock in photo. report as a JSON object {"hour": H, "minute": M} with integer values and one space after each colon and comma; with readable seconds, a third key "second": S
{"hour": 10, "minute": 7}
